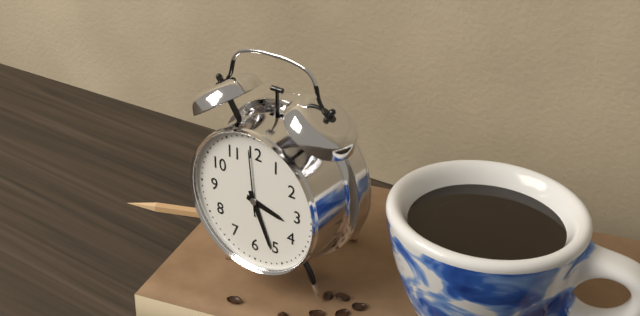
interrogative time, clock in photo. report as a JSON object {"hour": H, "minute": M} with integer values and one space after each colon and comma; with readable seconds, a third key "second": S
{"hour": 3, "minute": 26, "second": 59}
